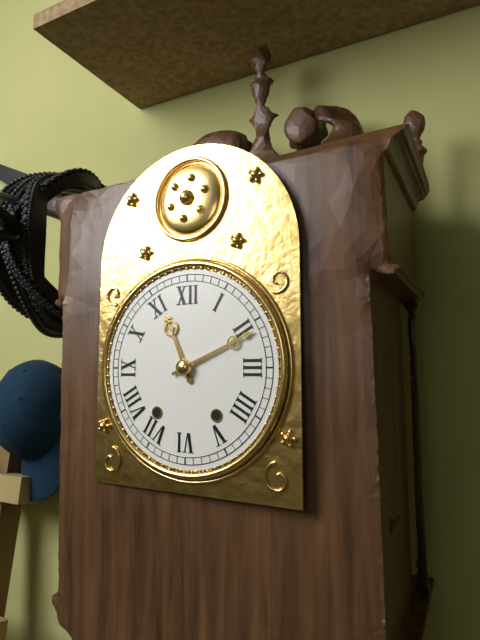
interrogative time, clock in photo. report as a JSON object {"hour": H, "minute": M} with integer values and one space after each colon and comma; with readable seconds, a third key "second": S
{"hour": 11, "minute": 11}
